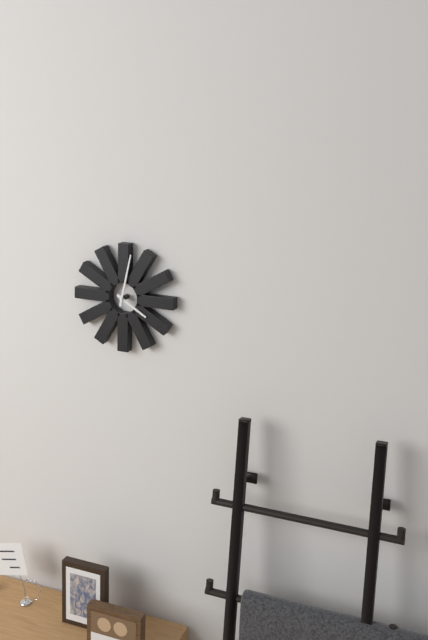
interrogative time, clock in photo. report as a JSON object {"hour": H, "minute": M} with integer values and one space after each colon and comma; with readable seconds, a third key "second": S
{"hour": 4, "minute": 2}
